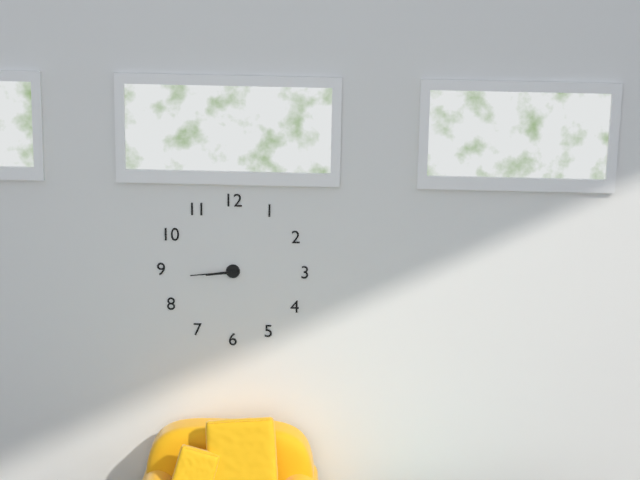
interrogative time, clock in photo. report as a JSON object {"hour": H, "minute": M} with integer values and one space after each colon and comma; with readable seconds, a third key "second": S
{"hour": 8, "minute": 44}
